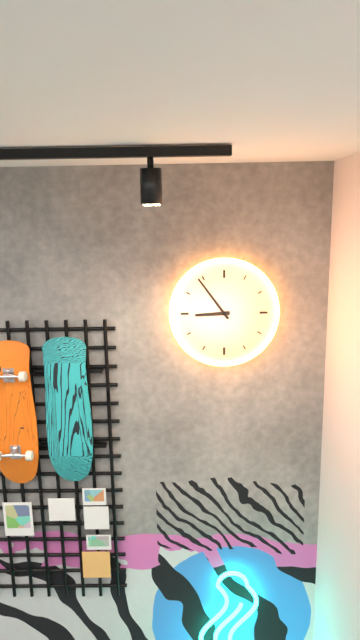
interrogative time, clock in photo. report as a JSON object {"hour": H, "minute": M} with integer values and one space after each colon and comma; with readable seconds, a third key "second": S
{"hour": 8, "minute": 54}
